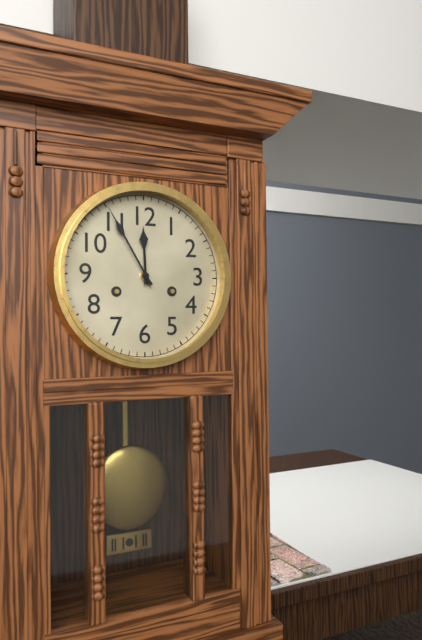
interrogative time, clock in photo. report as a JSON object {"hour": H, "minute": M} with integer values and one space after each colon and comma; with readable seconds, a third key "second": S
{"hour": 11, "minute": 55}
